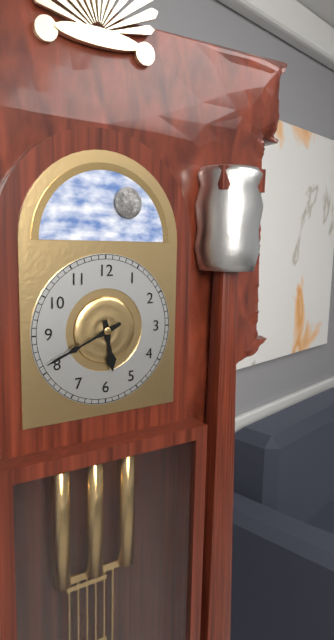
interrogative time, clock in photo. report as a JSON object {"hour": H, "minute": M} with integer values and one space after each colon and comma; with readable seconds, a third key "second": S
{"hour": 5, "minute": 41}
